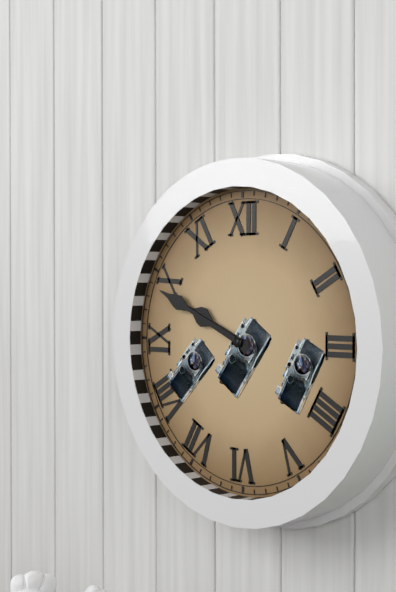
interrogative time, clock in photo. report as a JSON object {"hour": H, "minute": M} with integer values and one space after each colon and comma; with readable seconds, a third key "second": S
{"hour": 9, "minute": 49}
